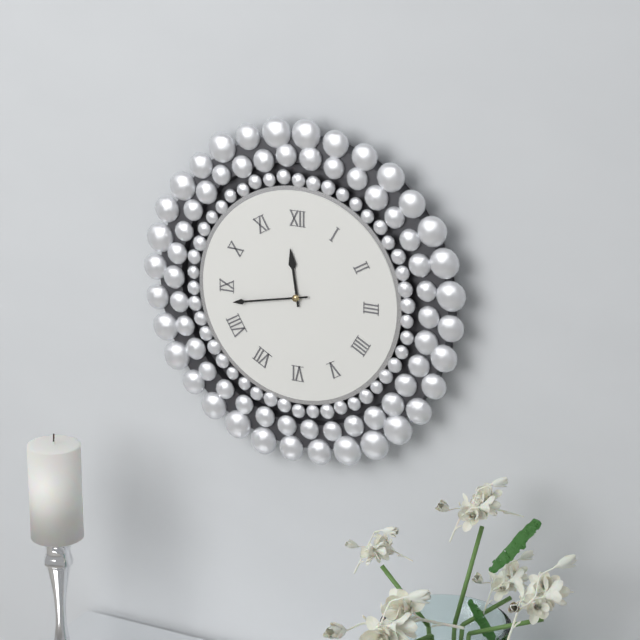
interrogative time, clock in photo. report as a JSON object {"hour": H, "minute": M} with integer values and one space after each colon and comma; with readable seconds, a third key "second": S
{"hour": 11, "minute": 43}
